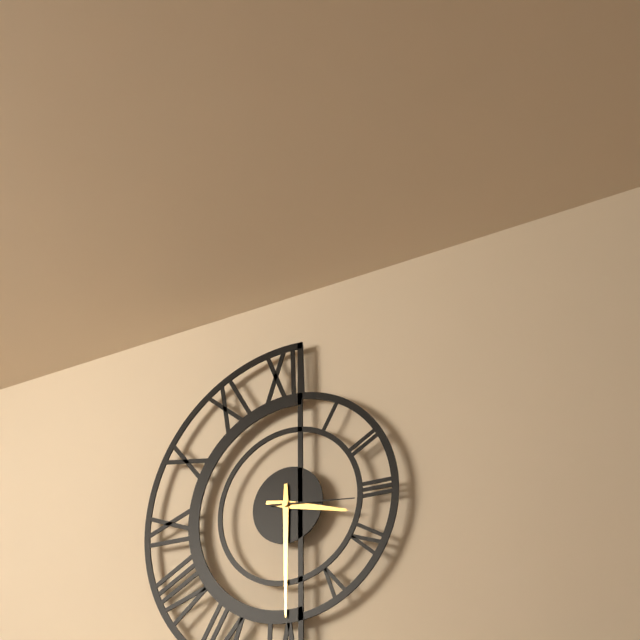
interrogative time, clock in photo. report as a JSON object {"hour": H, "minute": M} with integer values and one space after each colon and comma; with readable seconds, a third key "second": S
{"hour": 3, "minute": 30, "second": 16}
